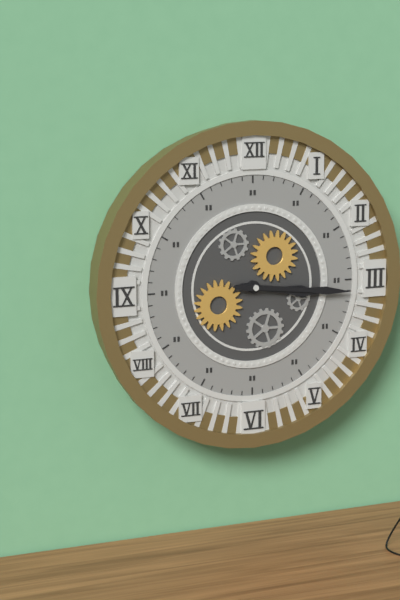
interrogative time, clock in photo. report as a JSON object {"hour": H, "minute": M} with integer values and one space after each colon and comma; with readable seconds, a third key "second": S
{"hour": 3, "minute": 16}
